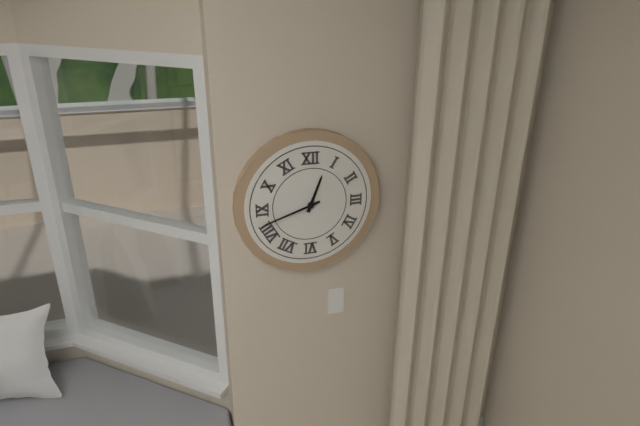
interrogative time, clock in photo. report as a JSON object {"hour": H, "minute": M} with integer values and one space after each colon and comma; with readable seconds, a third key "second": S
{"hour": 12, "minute": 42}
